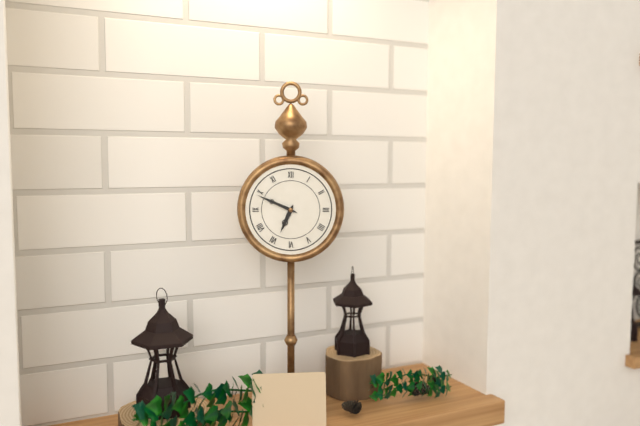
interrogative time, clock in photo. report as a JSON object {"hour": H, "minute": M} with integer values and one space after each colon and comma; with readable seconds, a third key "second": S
{"hour": 6, "minute": 49}
